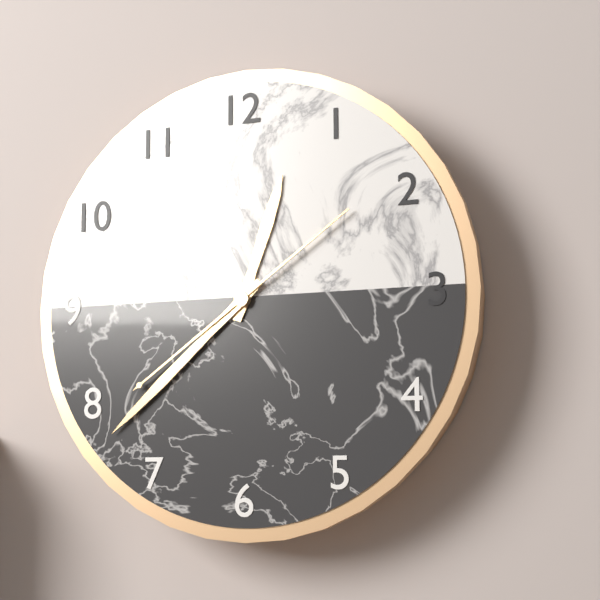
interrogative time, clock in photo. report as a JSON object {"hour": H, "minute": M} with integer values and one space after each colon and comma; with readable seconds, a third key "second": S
{"hour": 12, "minute": 38, "second": 39}
